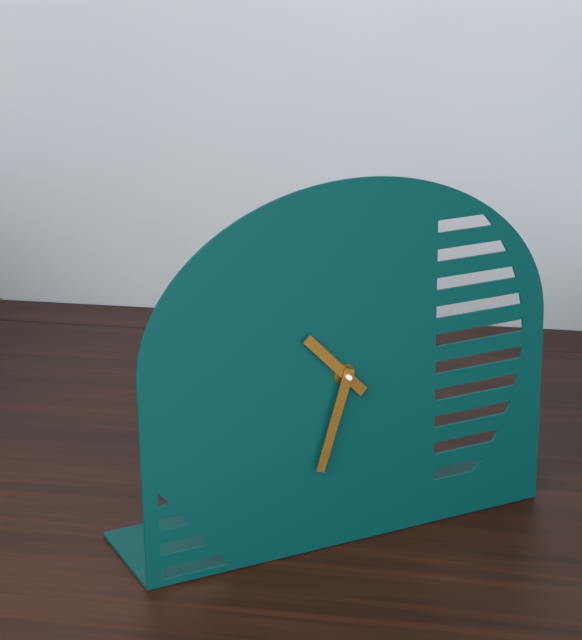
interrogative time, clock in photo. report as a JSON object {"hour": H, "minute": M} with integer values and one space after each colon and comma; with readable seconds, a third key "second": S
{"hour": 10, "minute": 33}
